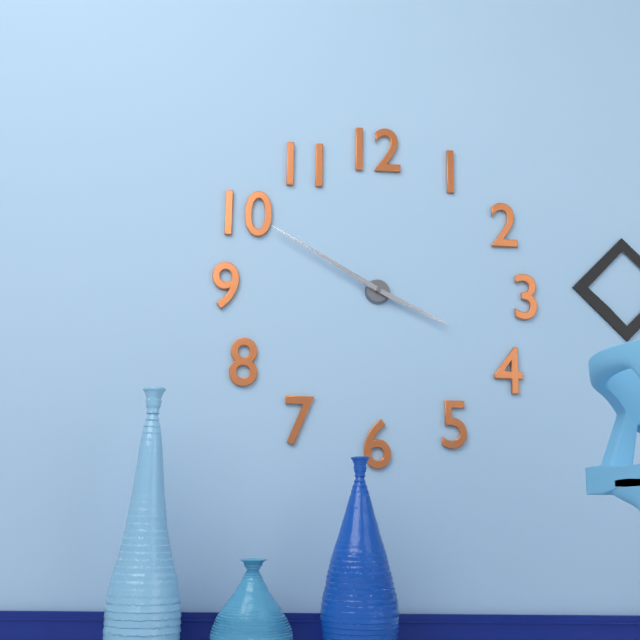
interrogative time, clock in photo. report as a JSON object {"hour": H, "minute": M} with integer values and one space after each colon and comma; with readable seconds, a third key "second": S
{"hour": 3, "minute": 50}
